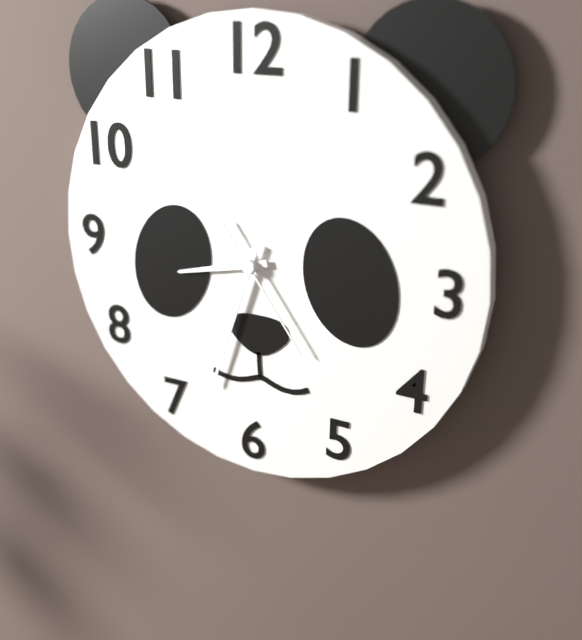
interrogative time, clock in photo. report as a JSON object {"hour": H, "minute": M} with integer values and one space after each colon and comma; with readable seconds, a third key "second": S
{"hour": 8, "minute": 33, "second": 24}
